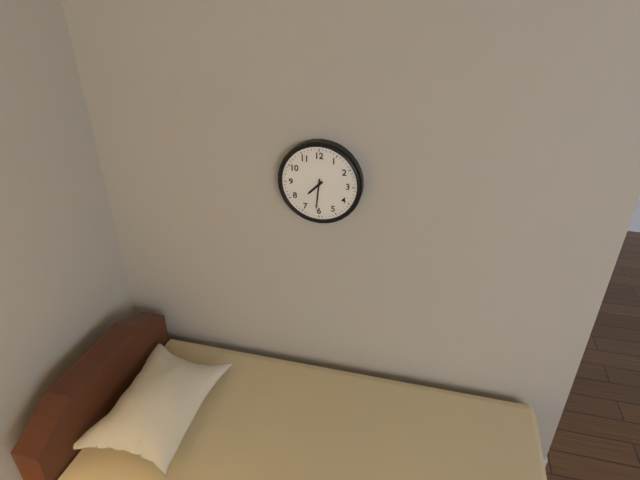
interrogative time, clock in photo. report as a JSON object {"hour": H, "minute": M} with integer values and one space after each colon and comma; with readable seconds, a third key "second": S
{"hour": 7, "minute": 31}
